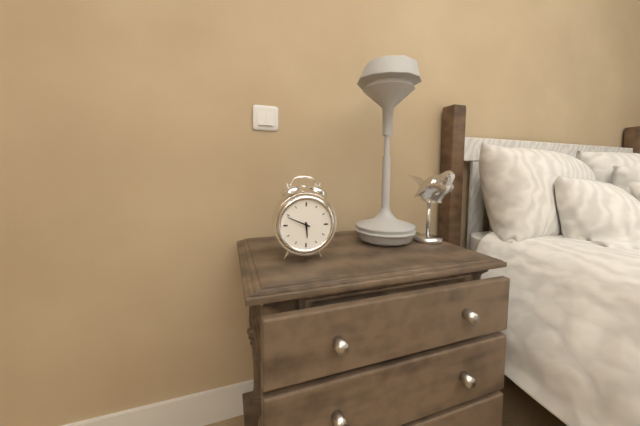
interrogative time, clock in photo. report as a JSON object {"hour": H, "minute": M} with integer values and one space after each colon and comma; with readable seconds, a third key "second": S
{"hour": 5, "minute": 49}
